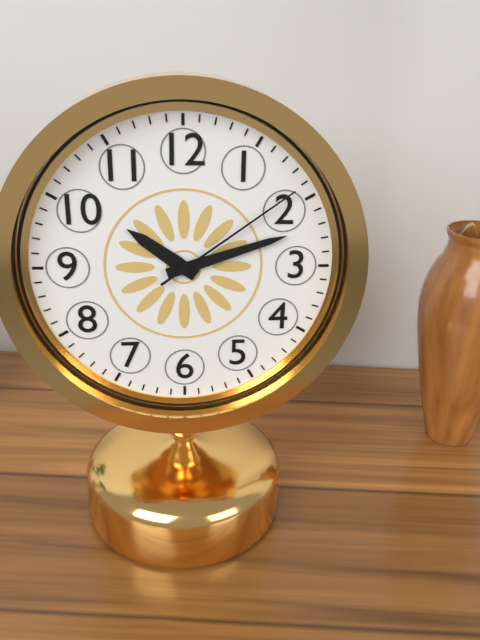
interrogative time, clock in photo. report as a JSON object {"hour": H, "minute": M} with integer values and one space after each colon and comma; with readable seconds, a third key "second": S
{"hour": 10, "minute": 12, "second": 9}
